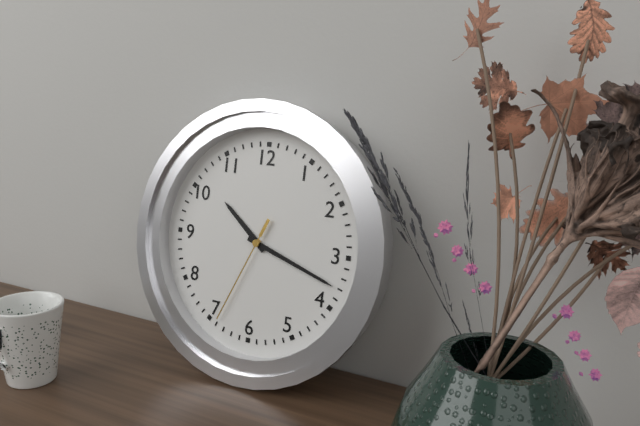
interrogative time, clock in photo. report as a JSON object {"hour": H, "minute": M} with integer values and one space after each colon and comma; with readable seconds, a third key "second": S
{"hour": 10, "minute": 18, "second": 34}
